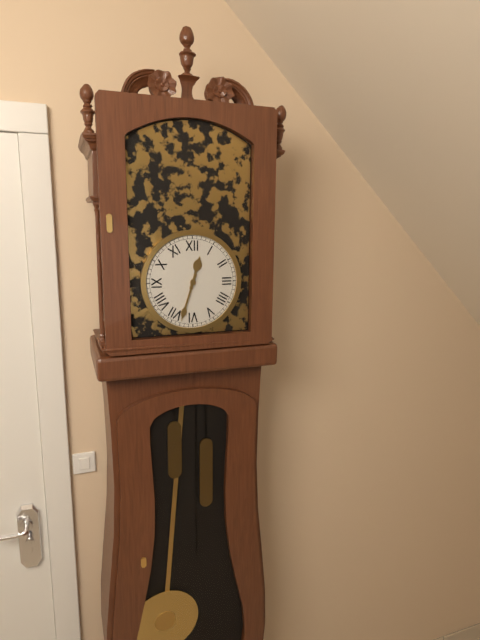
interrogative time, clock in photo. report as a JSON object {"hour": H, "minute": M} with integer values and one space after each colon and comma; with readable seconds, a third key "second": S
{"hour": 12, "minute": 33}
